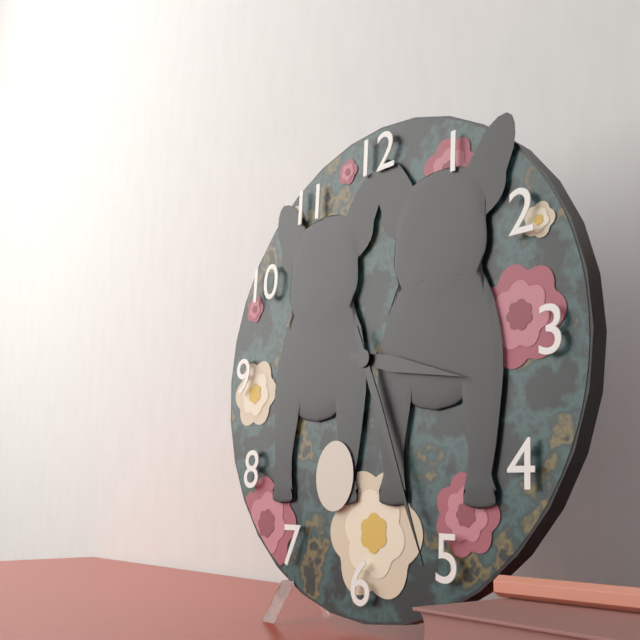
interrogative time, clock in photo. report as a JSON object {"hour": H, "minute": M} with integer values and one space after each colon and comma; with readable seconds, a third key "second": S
{"hour": 3, "minute": 26}
